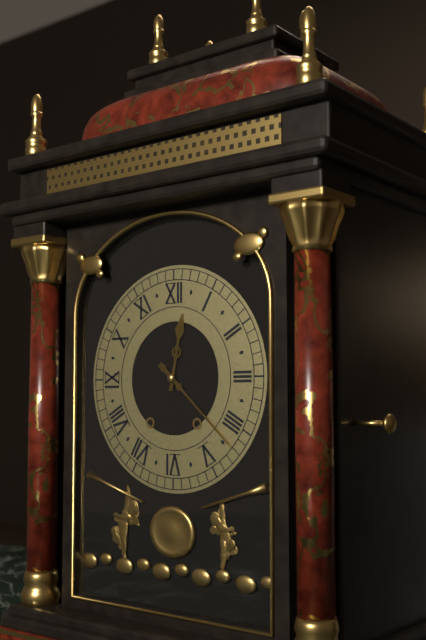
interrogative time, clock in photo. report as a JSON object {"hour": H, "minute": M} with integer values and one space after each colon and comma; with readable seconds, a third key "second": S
{"hour": 12, "minute": 22}
